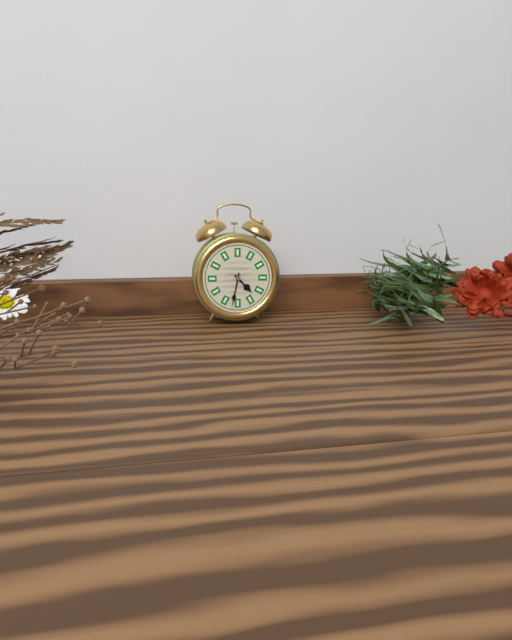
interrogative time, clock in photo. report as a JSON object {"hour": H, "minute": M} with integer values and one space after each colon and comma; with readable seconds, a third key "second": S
{"hour": 4, "minute": 32}
